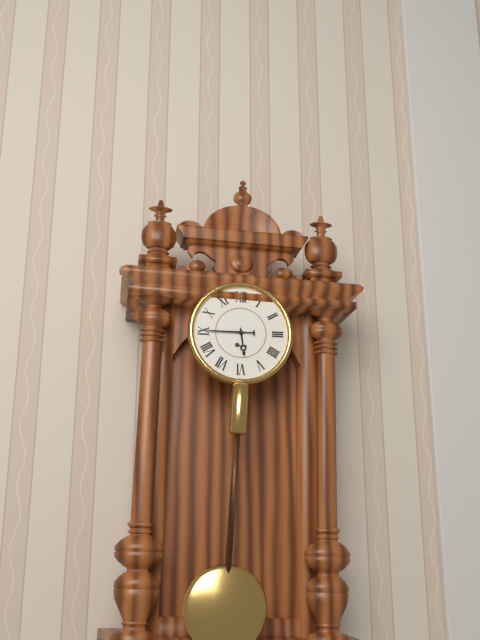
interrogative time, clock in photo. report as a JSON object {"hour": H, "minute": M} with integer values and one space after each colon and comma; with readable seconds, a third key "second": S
{"hour": 5, "minute": 45}
